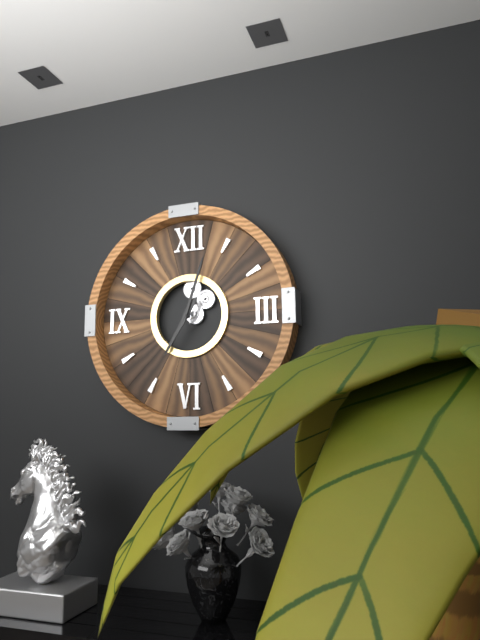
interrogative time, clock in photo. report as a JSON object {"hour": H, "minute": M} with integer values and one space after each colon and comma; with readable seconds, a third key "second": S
{"hour": 7, "minute": 3}
